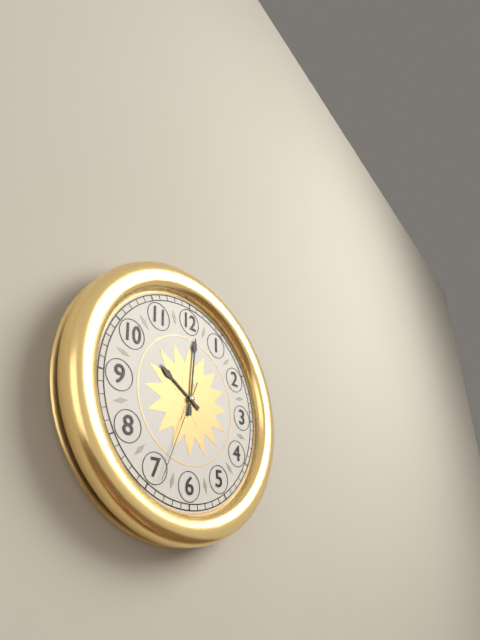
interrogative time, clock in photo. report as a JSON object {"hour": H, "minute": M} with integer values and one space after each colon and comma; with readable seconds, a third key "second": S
{"hour": 10, "minute": 1, "second": 34}
